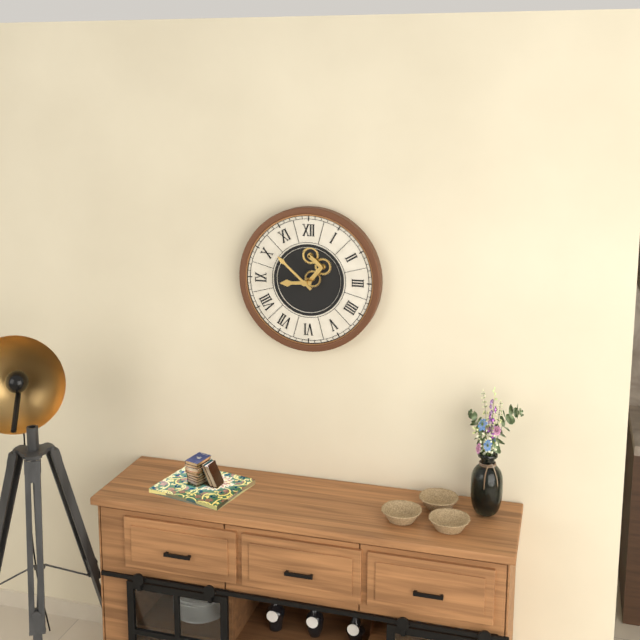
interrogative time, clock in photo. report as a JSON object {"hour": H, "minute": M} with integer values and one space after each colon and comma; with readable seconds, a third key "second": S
{"hour": 8, "minute": 52}
